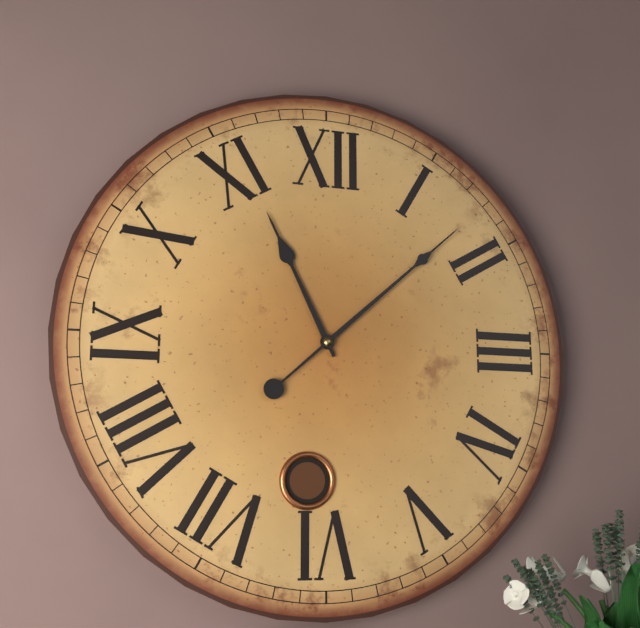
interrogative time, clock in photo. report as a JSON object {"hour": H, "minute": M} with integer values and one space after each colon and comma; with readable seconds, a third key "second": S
{"hour": 11, "minute": 8}
